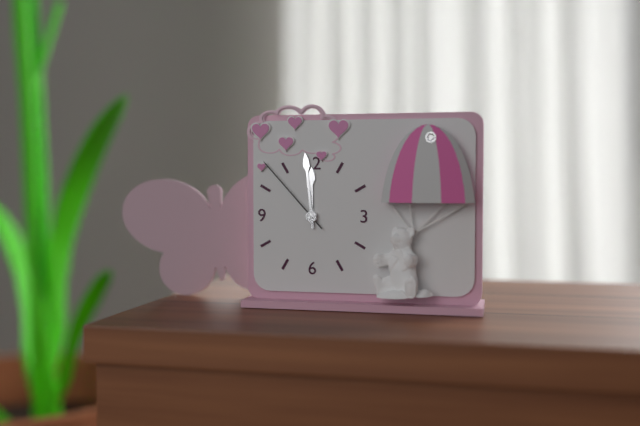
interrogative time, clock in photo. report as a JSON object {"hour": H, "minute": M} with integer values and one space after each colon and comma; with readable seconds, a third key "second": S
{"hour": 11, "minute": 59, "second": 53}
